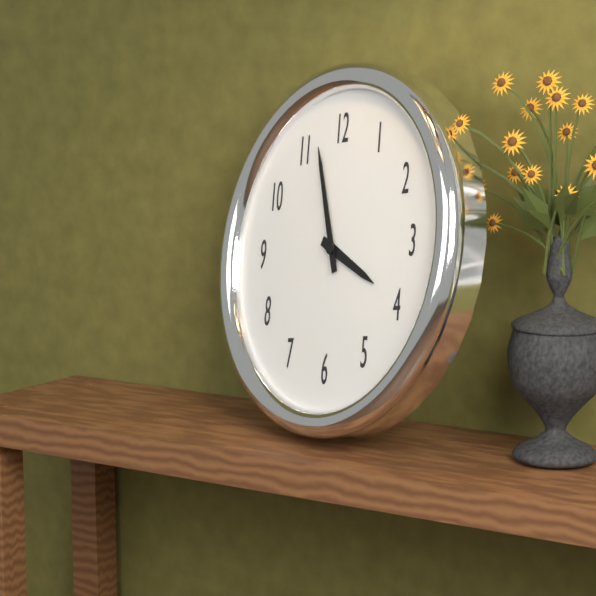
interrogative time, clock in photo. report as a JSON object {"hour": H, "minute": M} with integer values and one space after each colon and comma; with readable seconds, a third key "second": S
{"hour": 3, "minute": 57}
